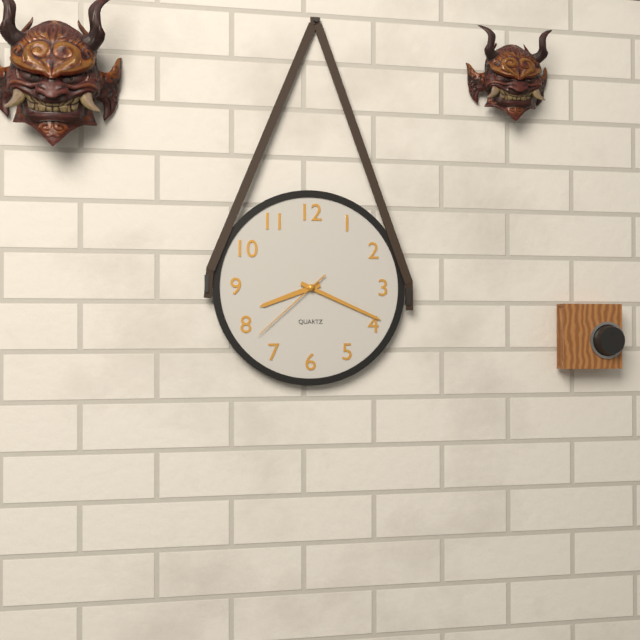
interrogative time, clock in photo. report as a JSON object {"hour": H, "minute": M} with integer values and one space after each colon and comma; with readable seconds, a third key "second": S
{"hour": 8, "minute": 19, "second": 38}
